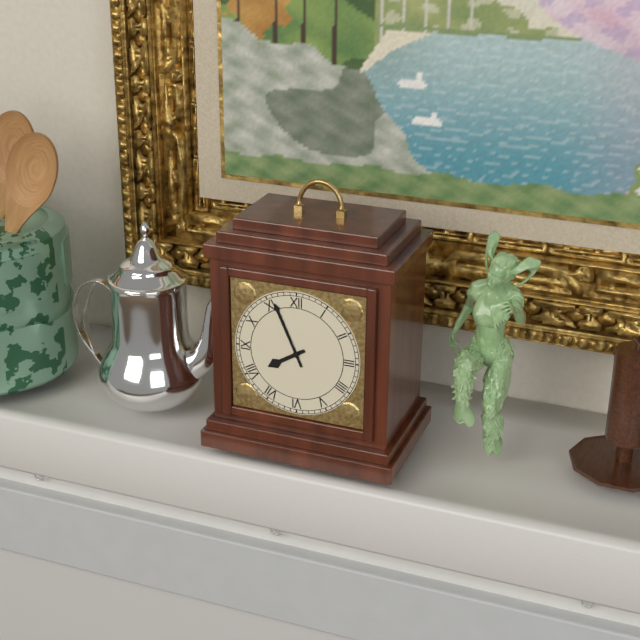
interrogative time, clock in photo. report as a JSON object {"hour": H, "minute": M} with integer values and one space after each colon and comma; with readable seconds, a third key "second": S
{"hour": 7, "minute": 56}
